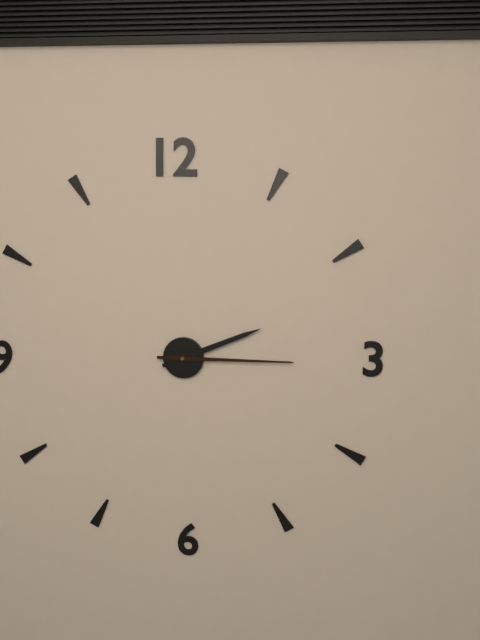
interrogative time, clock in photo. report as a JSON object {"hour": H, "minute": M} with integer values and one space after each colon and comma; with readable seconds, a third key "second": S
{"hour": 2, "minute": 15}
